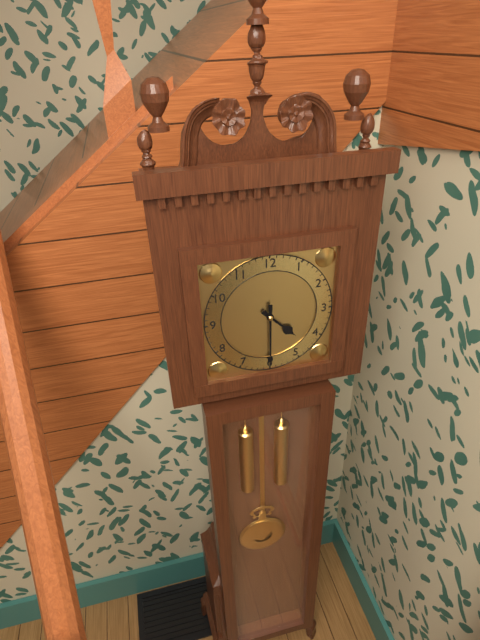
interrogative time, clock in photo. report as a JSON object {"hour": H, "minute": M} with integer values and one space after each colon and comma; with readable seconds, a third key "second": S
{"hour": 4, "minute": 30}
